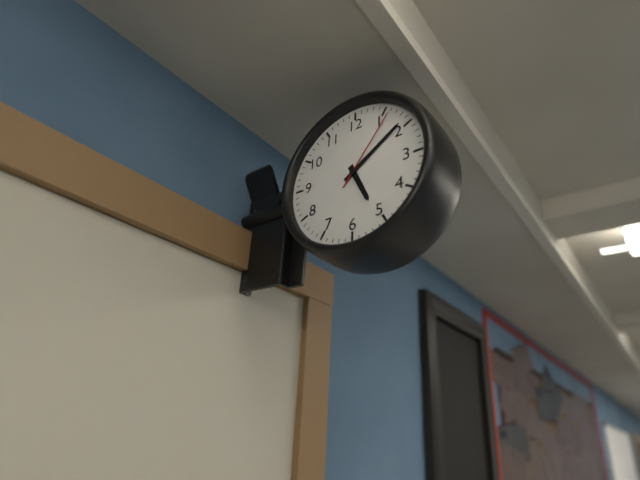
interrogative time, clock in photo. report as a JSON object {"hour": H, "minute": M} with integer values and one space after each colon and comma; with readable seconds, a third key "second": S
{"hour": 5, "minute": 9, "second": 6}
